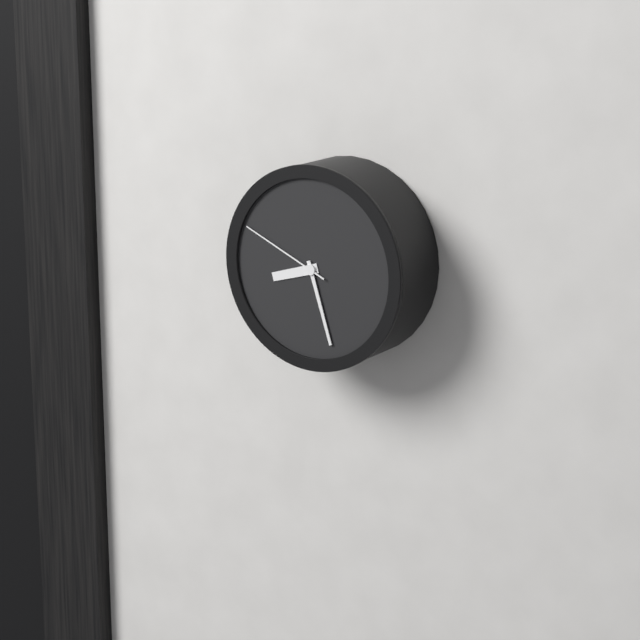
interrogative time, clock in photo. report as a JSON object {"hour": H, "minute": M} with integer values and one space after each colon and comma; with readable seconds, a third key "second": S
{"hour": 8, "minute": 27, "second": 49}
